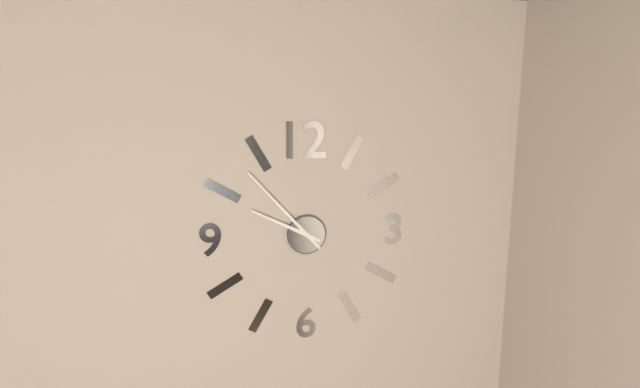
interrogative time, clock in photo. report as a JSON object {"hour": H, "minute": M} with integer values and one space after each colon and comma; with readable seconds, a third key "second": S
{"hour": 9, "minute": 53}
